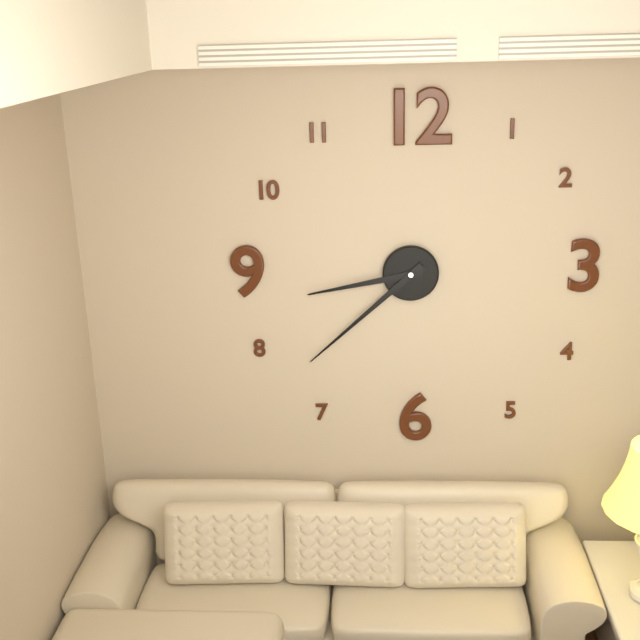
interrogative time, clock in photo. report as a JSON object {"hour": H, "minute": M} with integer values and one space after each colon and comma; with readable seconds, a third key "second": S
{"hour": 8, "minute": 38}
